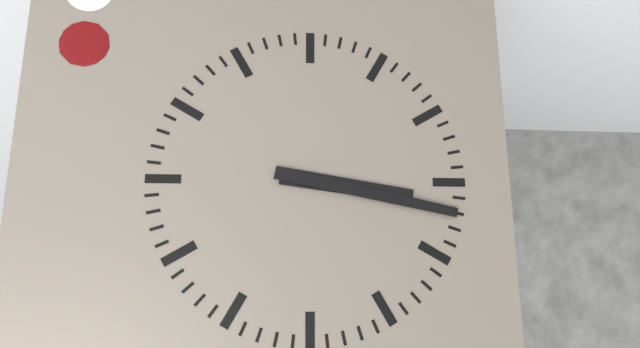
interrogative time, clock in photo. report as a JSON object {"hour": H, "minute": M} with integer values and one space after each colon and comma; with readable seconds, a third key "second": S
{"hour": 3, "minute": 17}
